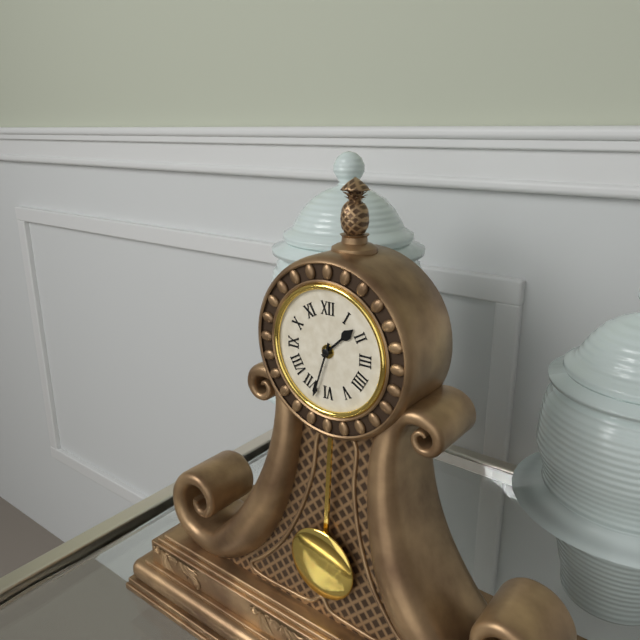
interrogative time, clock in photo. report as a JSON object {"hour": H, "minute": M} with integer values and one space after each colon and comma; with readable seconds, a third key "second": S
{"hour": 1, "minute": 33}
